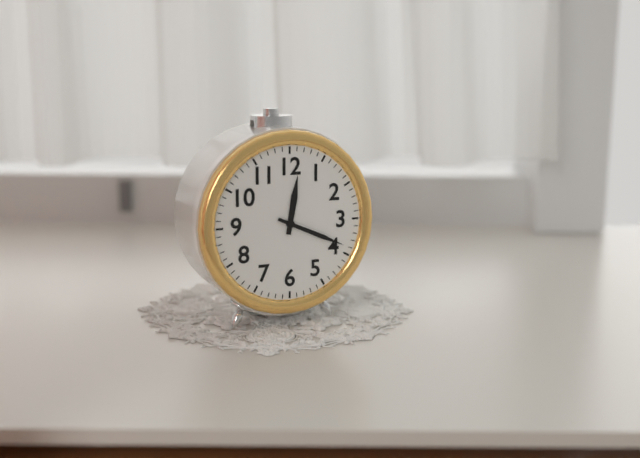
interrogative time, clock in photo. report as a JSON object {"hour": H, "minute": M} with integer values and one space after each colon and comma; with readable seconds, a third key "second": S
{"hour": 12, "minute": 19}
